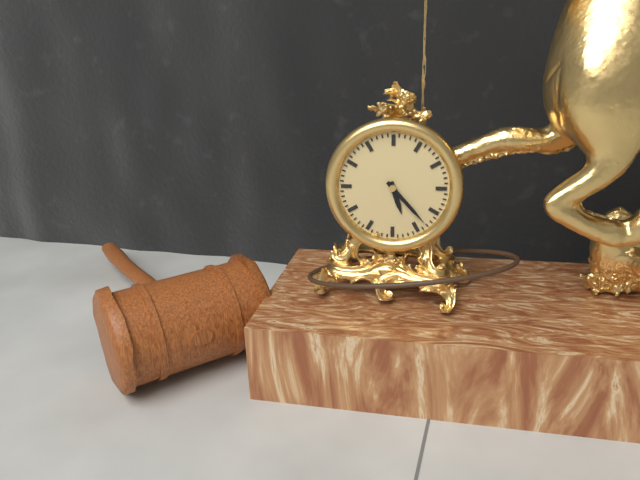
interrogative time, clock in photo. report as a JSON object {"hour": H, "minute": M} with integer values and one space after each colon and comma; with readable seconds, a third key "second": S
{"hour": 5, "minute": 23}
